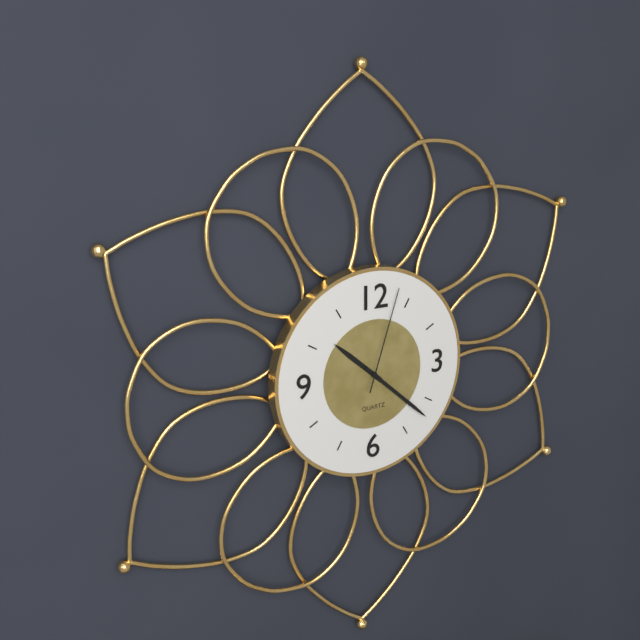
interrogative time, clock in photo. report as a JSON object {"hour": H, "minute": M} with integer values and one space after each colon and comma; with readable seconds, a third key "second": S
{"hour": 10, "minute": 22, "second": 3}
